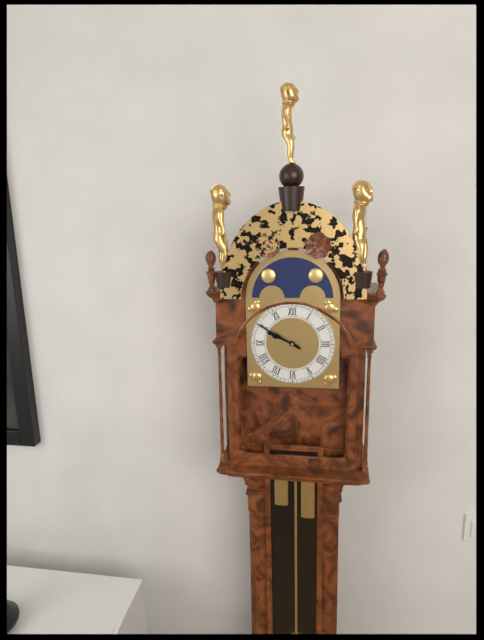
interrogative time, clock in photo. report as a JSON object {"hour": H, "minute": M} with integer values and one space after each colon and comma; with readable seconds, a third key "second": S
{"hour": 9, "minute": 50}
